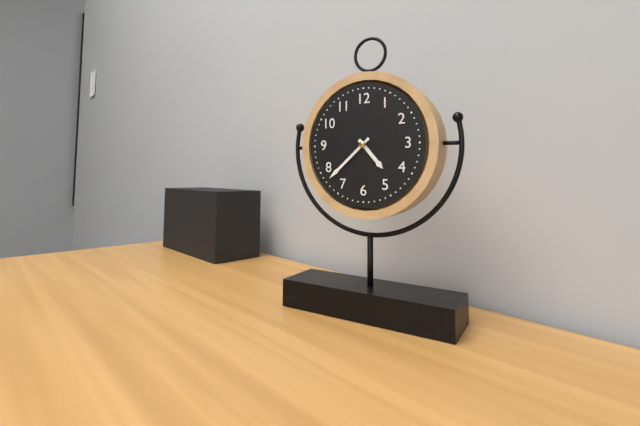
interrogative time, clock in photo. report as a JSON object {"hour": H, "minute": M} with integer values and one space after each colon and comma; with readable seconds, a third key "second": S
{"hour": 4, "minute": 38}
